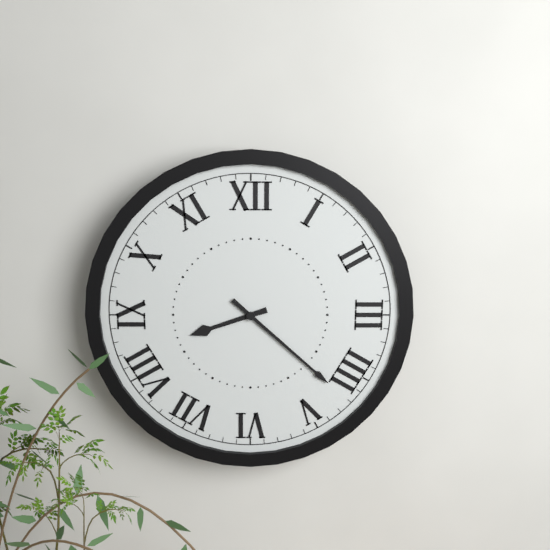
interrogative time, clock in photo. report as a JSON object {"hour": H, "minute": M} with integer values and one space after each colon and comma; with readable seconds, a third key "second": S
{"hour": 8, "minute": 22}
